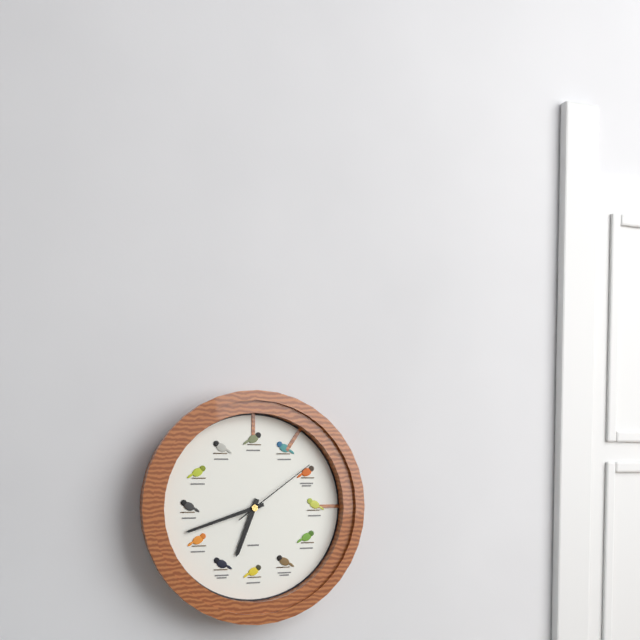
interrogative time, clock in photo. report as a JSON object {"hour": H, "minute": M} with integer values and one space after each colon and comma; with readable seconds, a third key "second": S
{"hour": 6, "minute": 42, "second": 9}
